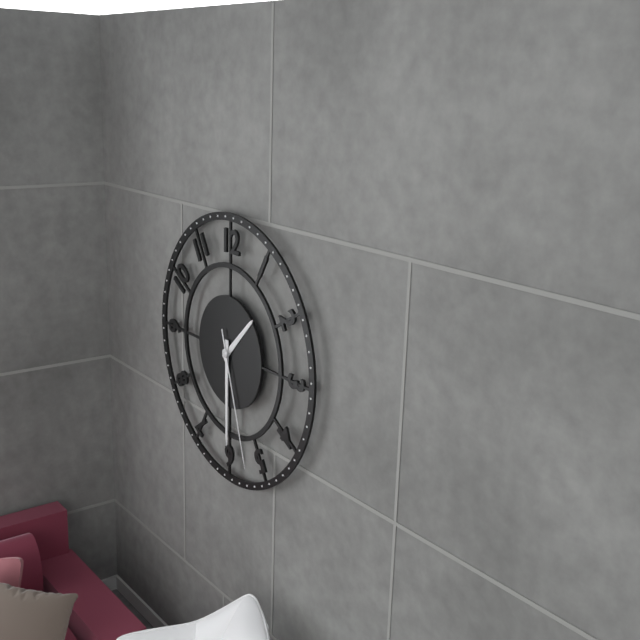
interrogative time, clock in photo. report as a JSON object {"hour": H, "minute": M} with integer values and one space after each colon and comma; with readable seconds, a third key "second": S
{"hour": 1, "minute": 30, "second": 27}
